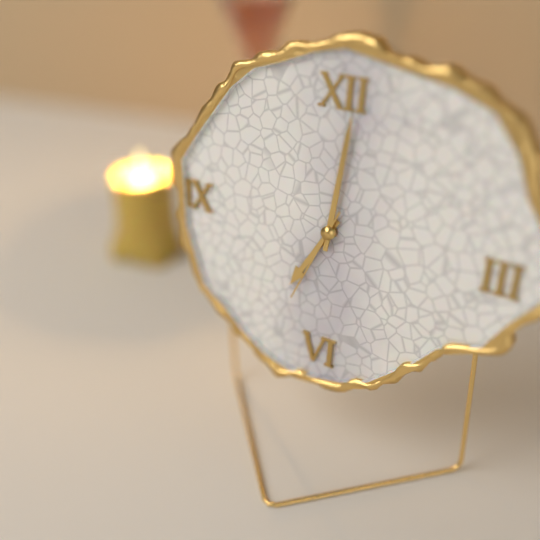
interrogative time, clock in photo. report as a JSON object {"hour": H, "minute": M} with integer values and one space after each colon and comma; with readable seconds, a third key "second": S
{"hour": 7, "minute": 1, "second": 34}
